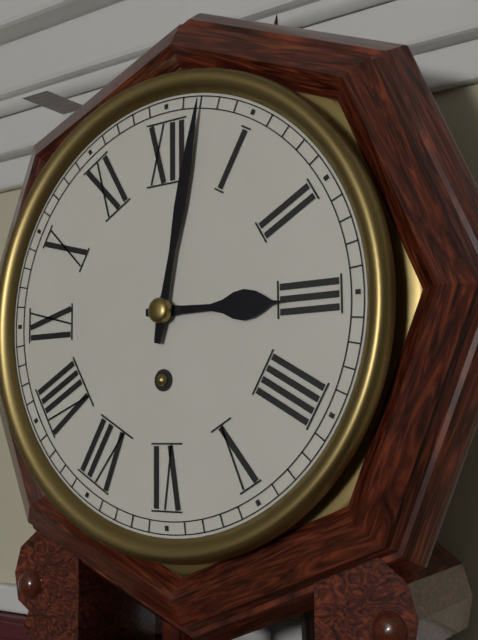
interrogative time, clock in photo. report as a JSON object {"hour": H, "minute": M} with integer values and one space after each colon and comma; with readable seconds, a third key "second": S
{"hour": 3, "minute": 2}
